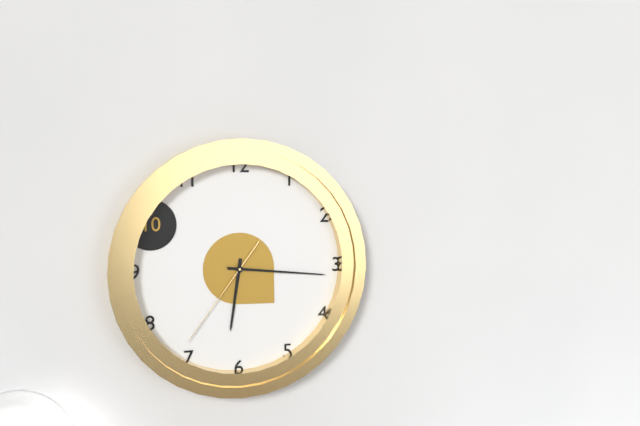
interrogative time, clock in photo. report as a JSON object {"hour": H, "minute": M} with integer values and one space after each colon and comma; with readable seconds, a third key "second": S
{"hour": 6, "minute": 16, "second": 36}
